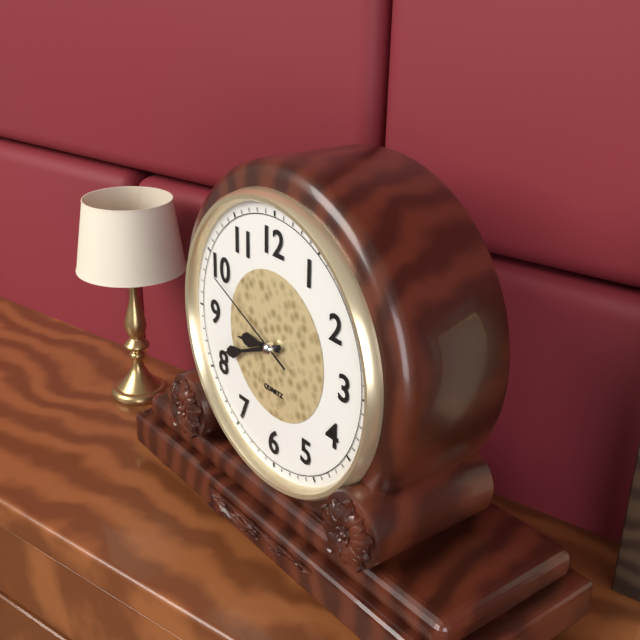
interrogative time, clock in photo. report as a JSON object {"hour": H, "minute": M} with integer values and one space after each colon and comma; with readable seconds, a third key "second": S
{"hour": 8, "minute": 41, "second": 49}
